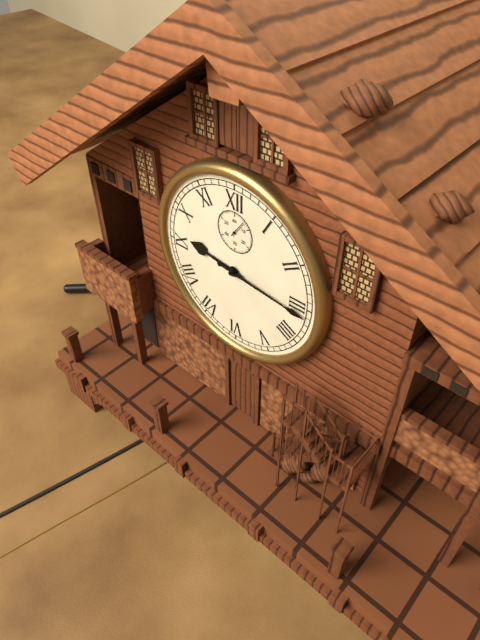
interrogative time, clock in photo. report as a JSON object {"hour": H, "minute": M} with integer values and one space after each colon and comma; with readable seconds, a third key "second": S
{"hour": 9, "minute": 16}
